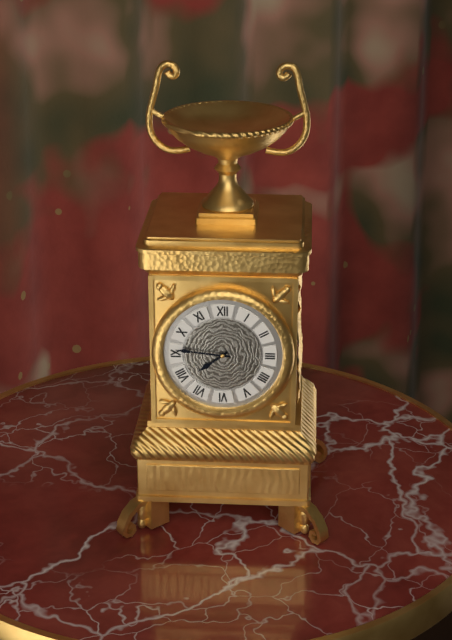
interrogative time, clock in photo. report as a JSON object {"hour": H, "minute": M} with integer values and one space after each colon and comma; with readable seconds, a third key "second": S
{"hour": 7, "minute": 46}
